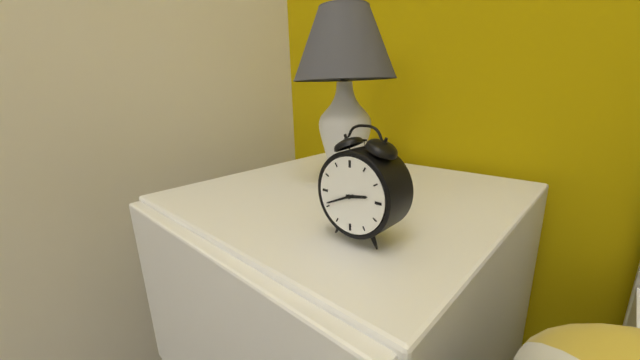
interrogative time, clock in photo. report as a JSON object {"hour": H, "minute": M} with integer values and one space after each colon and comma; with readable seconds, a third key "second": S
{"hour": 2, "minute": 41}
